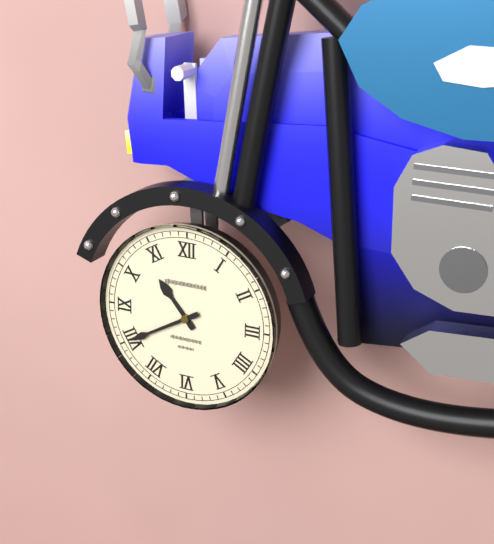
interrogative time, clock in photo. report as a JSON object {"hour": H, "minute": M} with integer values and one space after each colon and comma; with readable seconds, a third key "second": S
{"hour": 10, "minute": 40}
